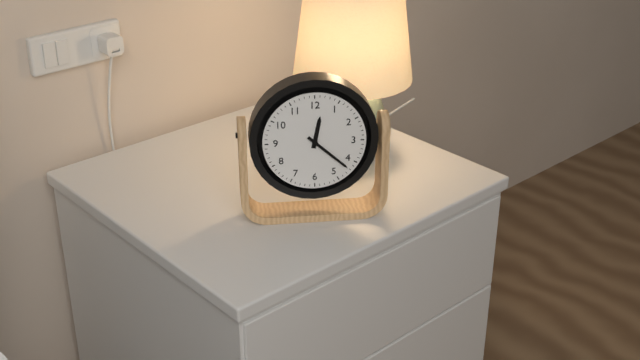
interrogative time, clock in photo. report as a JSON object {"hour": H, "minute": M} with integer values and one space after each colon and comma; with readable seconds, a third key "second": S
{"hour": 12, "minute": 22}
